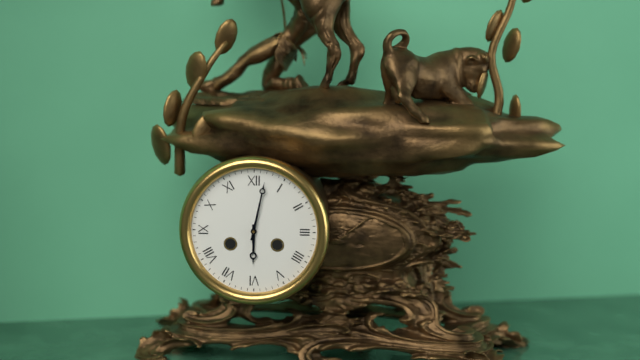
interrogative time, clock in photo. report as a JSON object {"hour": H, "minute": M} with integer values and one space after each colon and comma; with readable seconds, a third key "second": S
{"hour": 6, "minute": 2}
